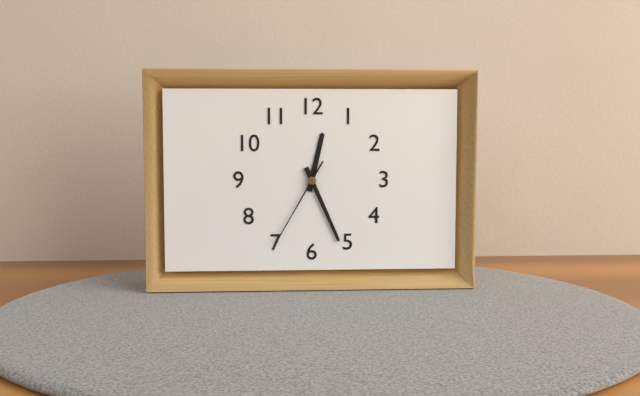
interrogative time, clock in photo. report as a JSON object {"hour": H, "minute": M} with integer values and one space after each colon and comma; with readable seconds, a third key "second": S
{"hour": 12, "minute": 26, "second": 35}
